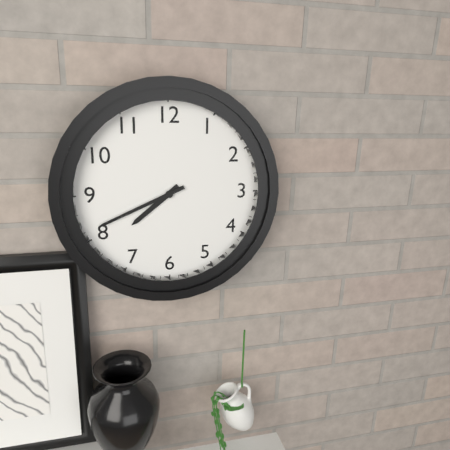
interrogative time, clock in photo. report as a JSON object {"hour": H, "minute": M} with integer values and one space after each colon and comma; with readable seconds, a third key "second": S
{"hour": 7, "minute": 41}
